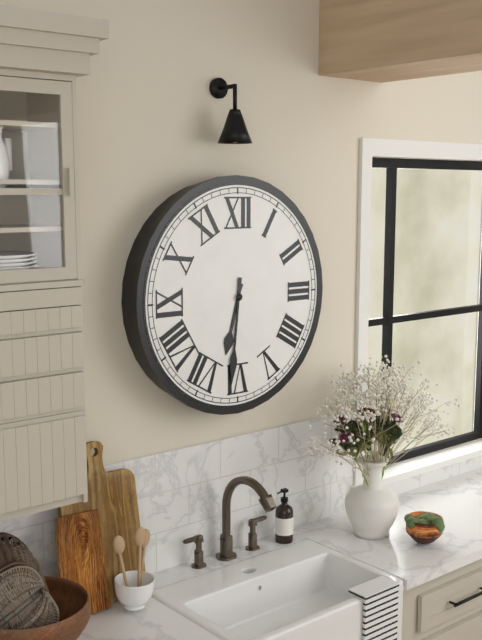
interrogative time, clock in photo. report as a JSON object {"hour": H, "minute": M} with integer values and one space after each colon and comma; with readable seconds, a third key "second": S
{"hour": 6, "minute": 31}
